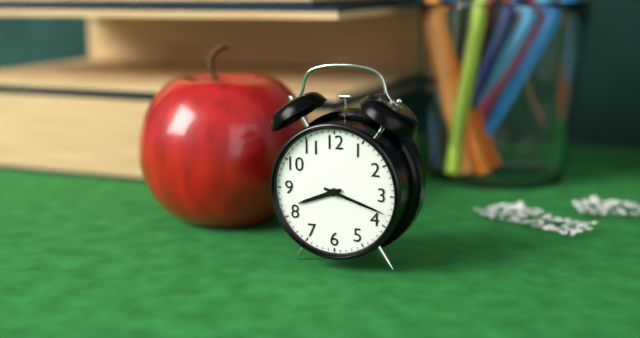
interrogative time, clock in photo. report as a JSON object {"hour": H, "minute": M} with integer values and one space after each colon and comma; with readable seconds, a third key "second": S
{"hour": 8, "minute": 18}
